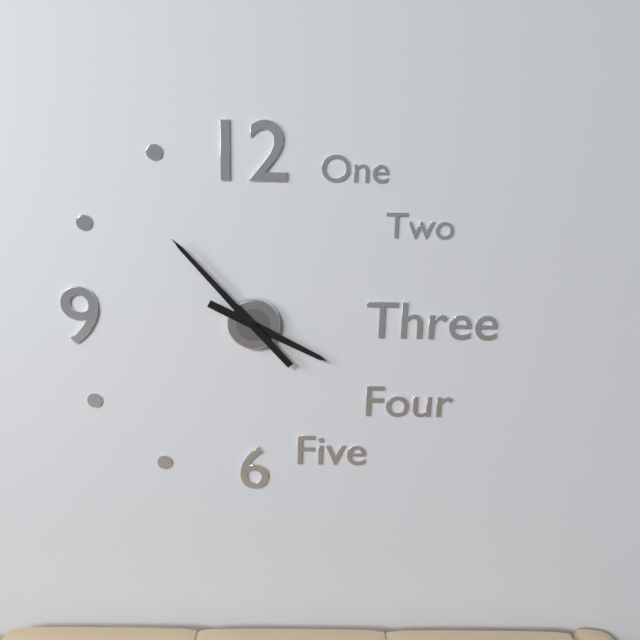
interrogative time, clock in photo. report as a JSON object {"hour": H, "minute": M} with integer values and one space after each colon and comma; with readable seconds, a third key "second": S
{"hour": 3, "minute": 53}
